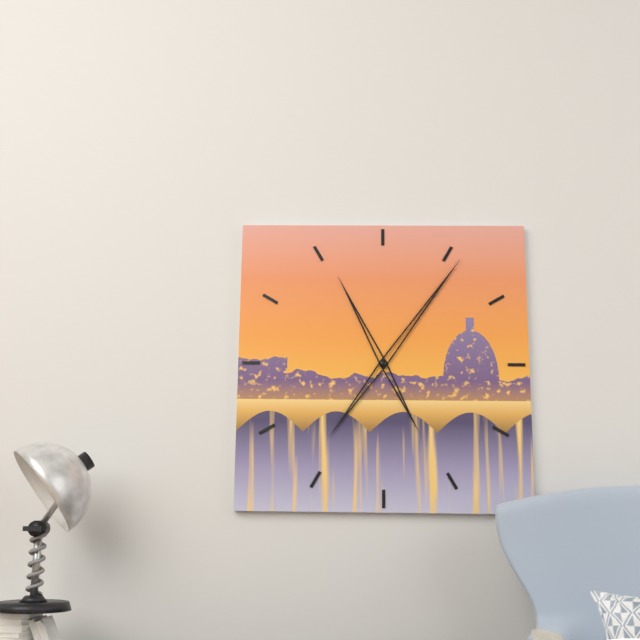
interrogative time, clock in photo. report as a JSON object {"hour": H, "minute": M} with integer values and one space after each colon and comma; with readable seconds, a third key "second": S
{"hour": 11, "minute": 6}
